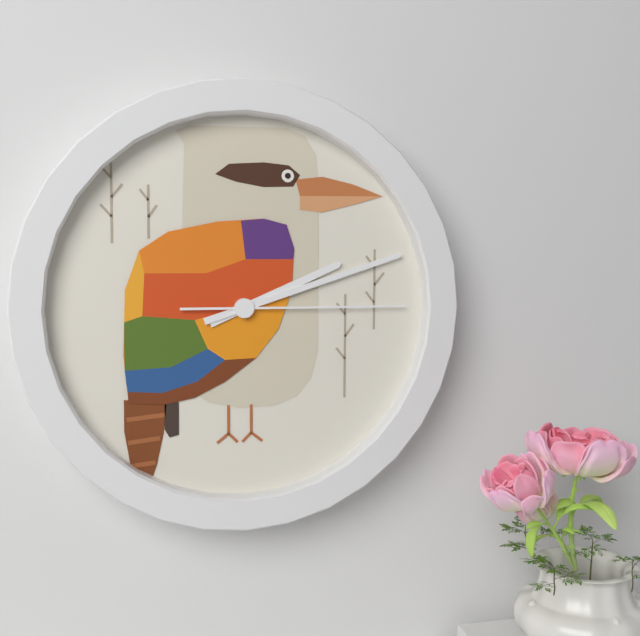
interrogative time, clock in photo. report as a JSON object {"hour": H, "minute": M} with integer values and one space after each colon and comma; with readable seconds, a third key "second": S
{"hour": 2, "minute": 12, "second": 15}
